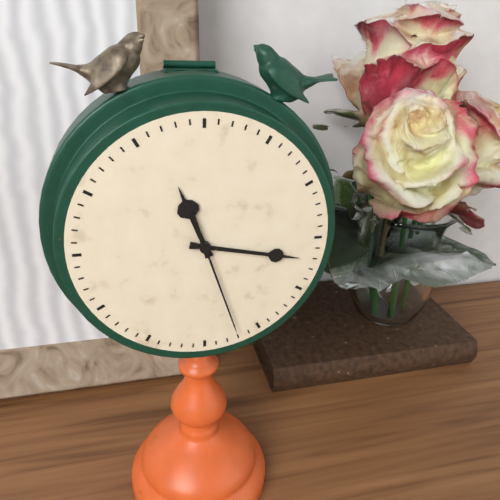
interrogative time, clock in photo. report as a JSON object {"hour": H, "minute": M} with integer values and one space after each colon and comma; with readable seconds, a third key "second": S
{"hour": 11, "minute": 17, "second": 27}
